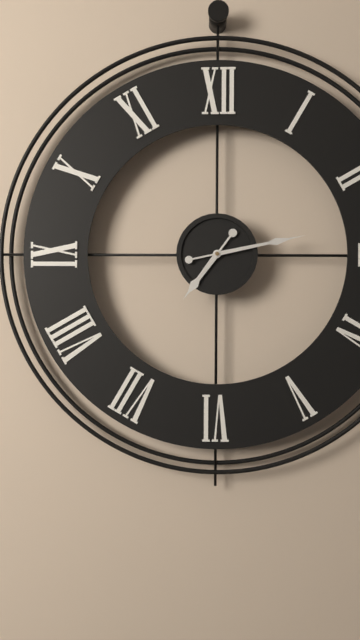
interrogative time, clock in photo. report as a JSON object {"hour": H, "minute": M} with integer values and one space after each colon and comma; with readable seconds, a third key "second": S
{"hour": 7, "minute": 13}
